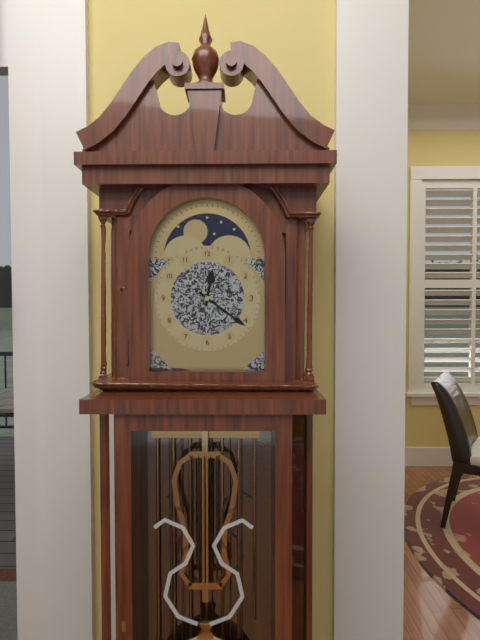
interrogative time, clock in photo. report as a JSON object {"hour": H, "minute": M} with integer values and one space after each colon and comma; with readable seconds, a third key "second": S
{"hour": 12, "minute": 21}
